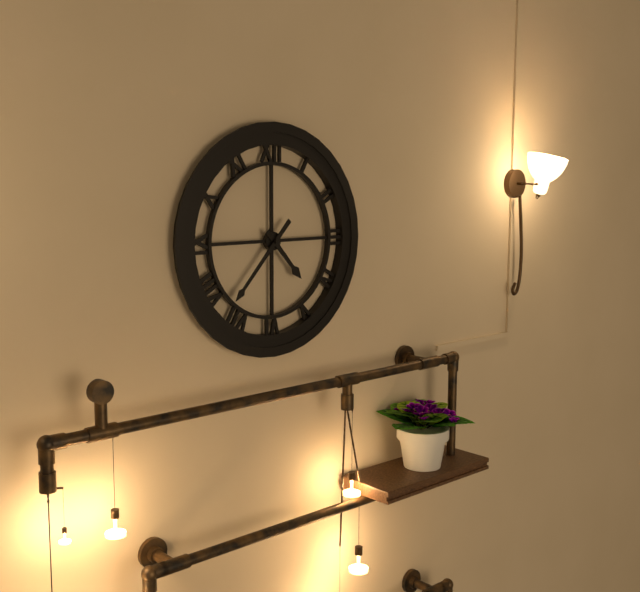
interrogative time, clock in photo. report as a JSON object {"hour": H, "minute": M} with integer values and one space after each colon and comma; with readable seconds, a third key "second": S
{"hour": 4, "minute": 37}
